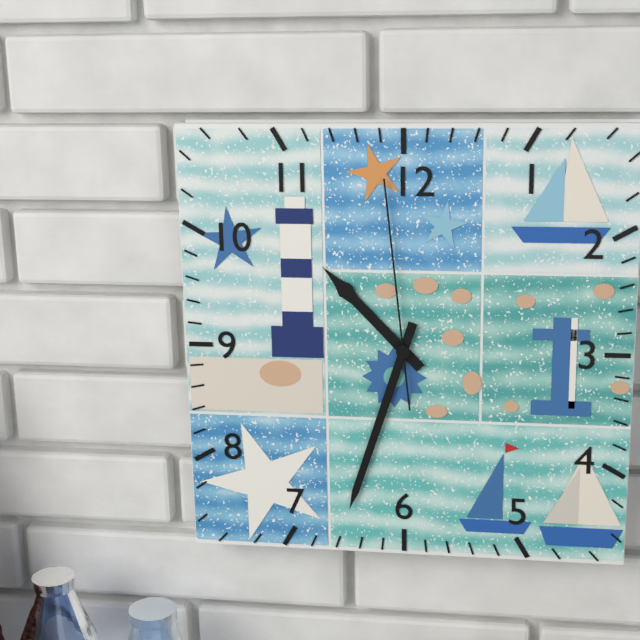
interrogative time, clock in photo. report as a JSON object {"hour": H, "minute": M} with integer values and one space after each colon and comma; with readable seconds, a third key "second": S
{"hour": 10, "minute": 33, "second": 59}
